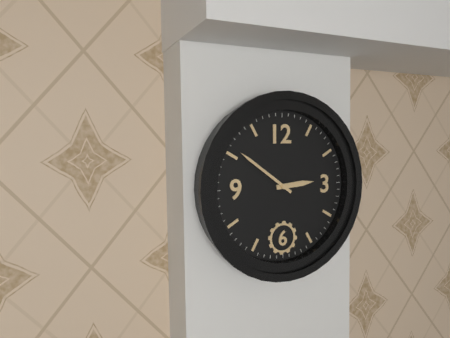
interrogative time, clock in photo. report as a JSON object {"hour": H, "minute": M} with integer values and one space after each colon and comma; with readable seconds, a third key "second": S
{"hour": 2, "minute": 51}
